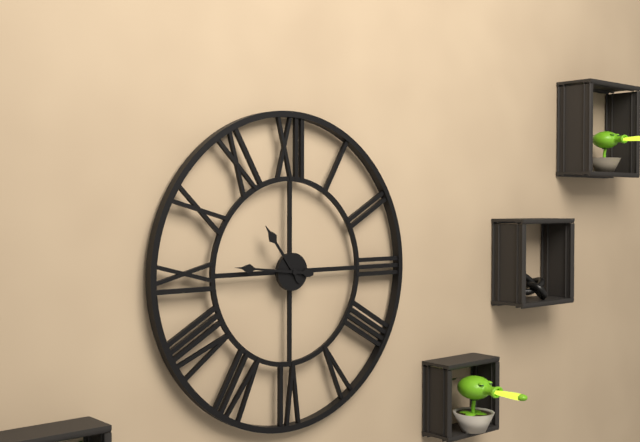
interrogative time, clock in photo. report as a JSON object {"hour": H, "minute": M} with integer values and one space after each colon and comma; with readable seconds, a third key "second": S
{"hour": 10, "minute": 46}
